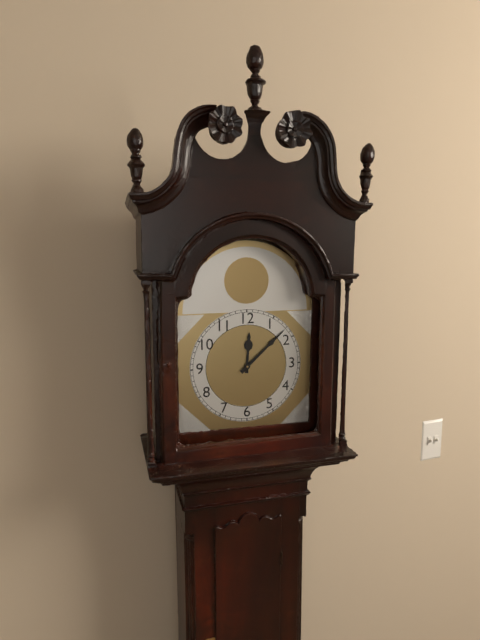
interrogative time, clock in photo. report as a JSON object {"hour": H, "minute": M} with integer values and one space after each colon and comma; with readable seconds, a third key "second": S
{"hour": 12, "minute": 8}
